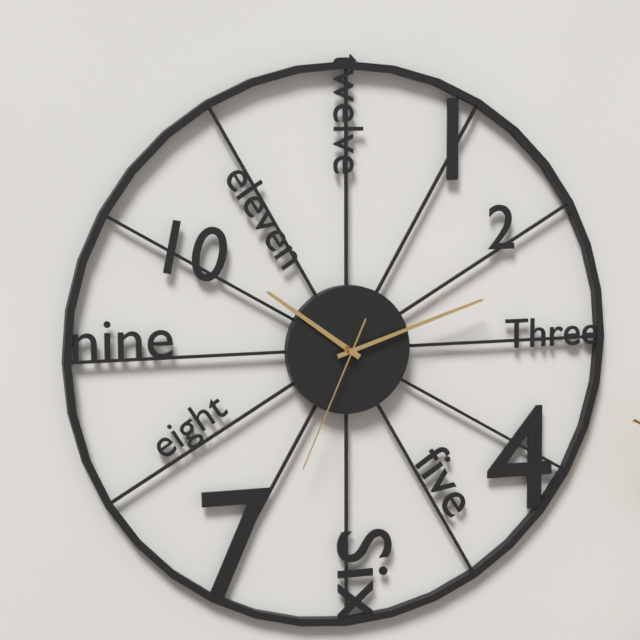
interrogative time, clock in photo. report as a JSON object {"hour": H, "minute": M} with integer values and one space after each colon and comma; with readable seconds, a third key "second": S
{"hour": 10, "minute": 12, "second": 34}
